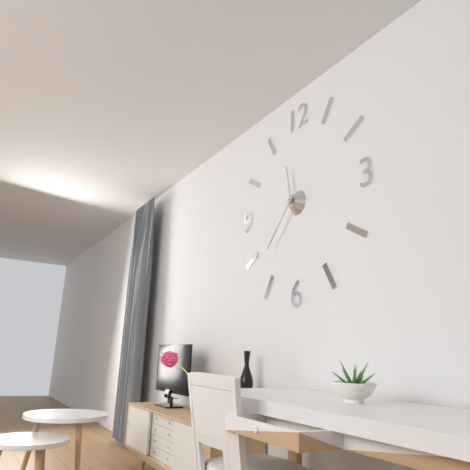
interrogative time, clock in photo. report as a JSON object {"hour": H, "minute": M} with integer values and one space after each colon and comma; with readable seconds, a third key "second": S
{"hour": 11, "minute": 37}
